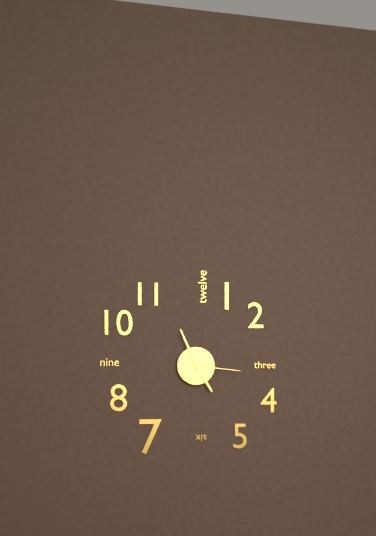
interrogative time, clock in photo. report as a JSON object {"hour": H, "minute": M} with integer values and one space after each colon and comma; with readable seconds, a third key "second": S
{"hour": 4, "minute": 56, "second": 16}
